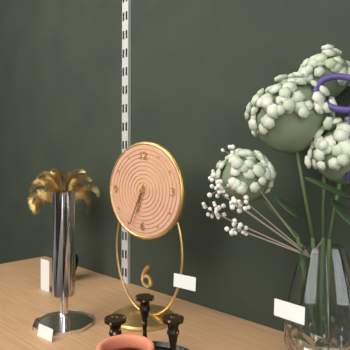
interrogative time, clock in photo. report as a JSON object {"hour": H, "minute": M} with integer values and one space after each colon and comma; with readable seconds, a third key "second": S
{"hour": 6, "minute": 34}
